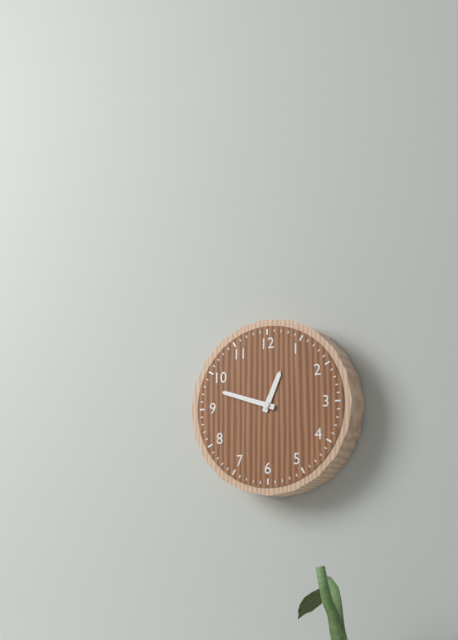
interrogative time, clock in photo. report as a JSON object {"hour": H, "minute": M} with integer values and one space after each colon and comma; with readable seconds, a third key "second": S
{"hour": 12, "minute": 48}
